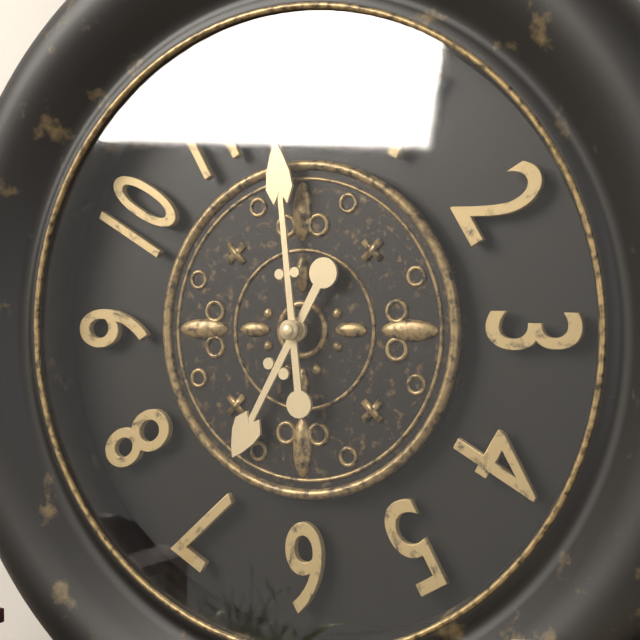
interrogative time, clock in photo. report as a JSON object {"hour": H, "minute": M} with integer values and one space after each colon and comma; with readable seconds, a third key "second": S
{"hour": 6, "minute": 59}
